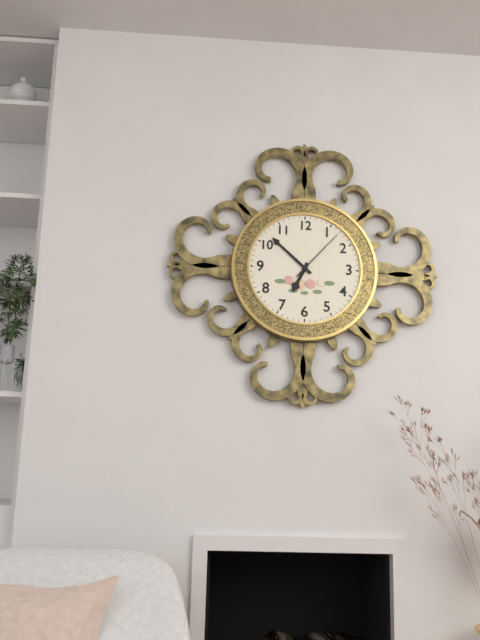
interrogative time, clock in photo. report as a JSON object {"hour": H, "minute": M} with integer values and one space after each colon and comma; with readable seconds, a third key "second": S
{"hour": 6, "minute": 52, "second": 7}
